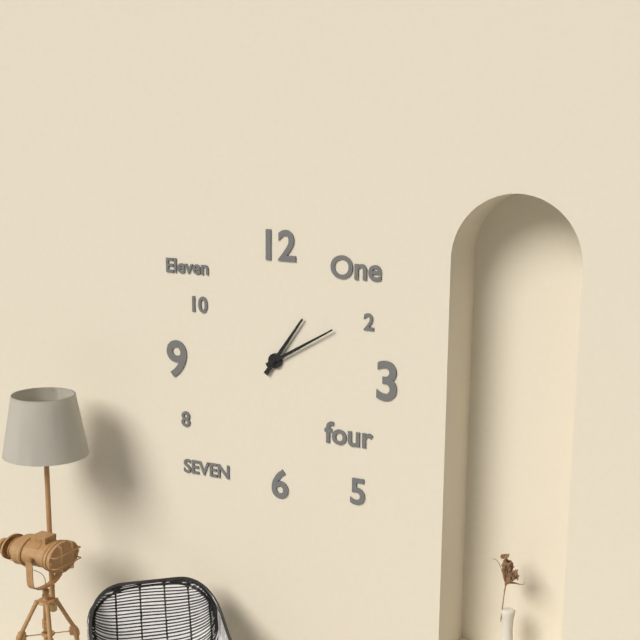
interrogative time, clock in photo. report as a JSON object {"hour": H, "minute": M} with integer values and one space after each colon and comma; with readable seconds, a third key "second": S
{"hour": 1, "minute": 10}
